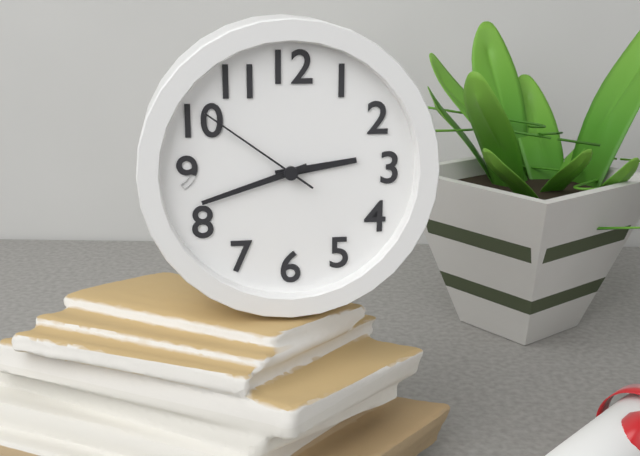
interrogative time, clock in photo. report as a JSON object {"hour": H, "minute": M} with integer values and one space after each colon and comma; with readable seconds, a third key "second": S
{"hour": 2, "minute": 42, "second": 51}
